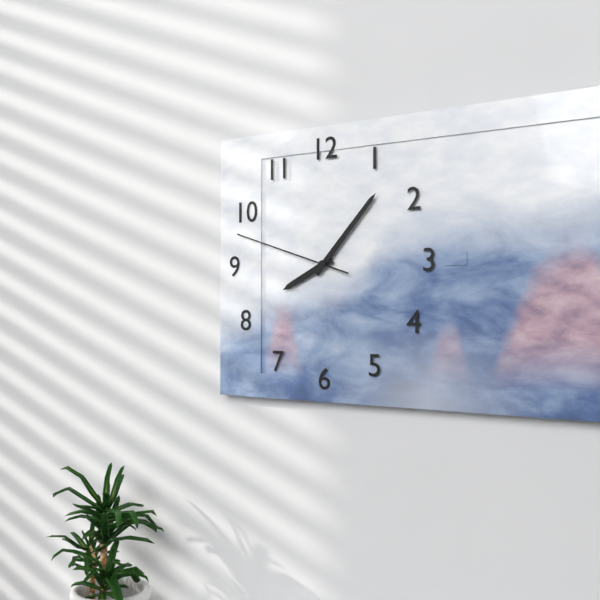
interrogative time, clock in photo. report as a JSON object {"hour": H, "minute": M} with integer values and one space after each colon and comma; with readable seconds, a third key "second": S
{"hour": 8, "minute": 7, "second": 48}
